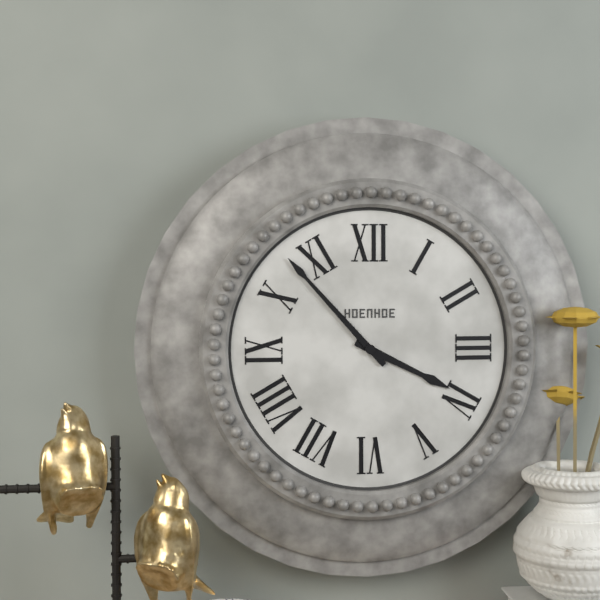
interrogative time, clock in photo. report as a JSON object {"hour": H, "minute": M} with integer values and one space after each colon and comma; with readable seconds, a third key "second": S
{"hour": 3, "minute": 53}
